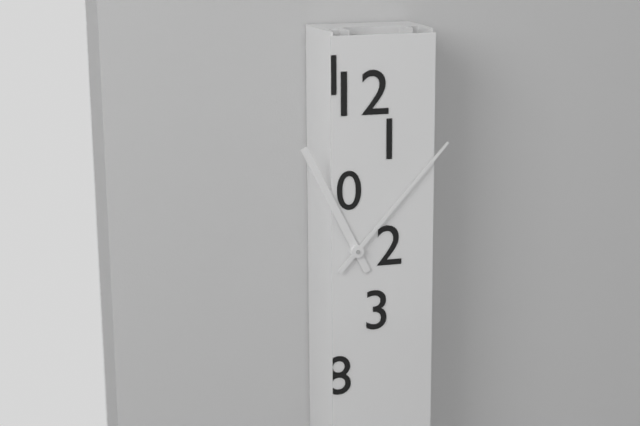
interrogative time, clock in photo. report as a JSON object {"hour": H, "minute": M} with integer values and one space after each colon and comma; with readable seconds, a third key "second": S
{"hour": 11, "minute": 7}
